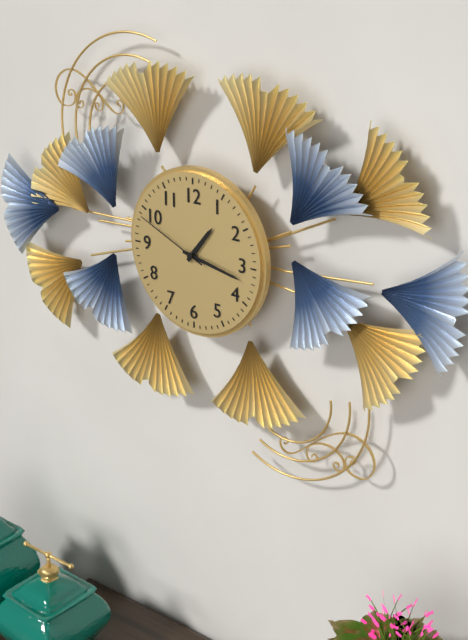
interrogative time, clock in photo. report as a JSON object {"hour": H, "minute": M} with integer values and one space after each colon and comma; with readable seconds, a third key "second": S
{"hour": 1, "minute": 17, "second": 49}
